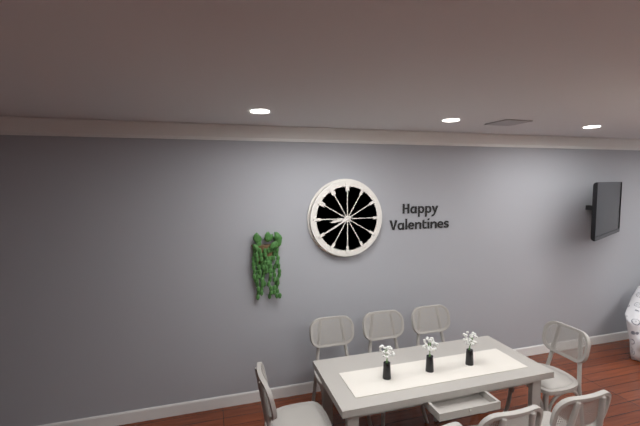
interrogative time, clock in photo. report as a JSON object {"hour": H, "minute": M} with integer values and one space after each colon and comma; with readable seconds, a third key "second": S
{"hour": 8, "minute": 40}
